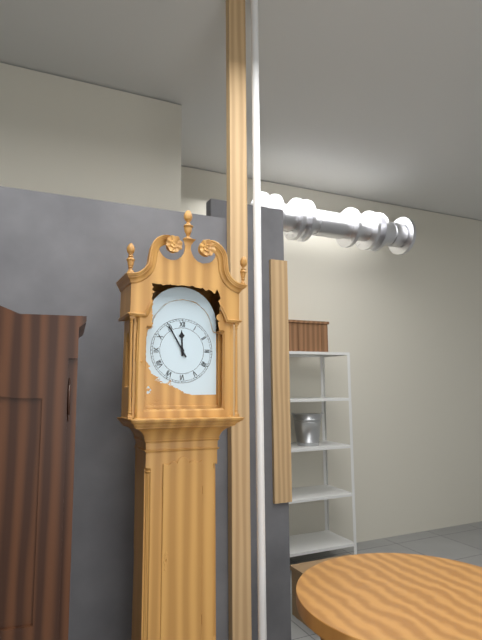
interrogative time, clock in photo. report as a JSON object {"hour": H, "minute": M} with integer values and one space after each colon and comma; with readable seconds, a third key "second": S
{"hour": 11, "minute": 55}
